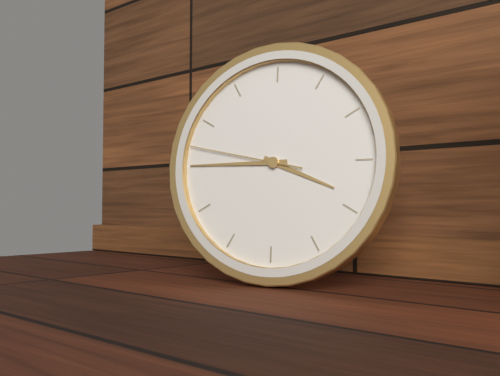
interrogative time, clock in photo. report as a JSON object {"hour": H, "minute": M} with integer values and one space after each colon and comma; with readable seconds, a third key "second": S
{"hour": 3, "minute": 45, "second": 47}
